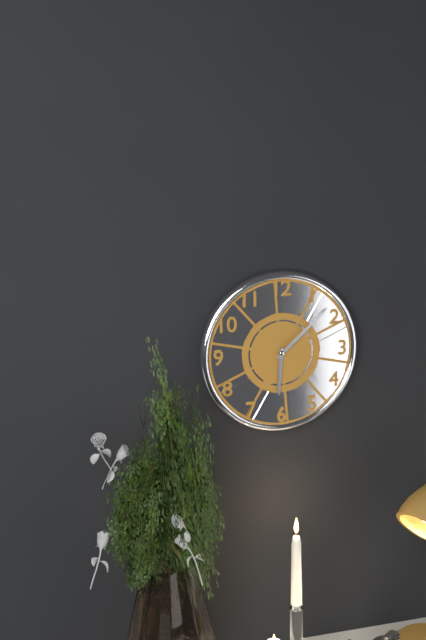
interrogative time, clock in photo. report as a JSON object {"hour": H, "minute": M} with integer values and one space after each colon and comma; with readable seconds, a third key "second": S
{"hour": 6, "minute": 8}
